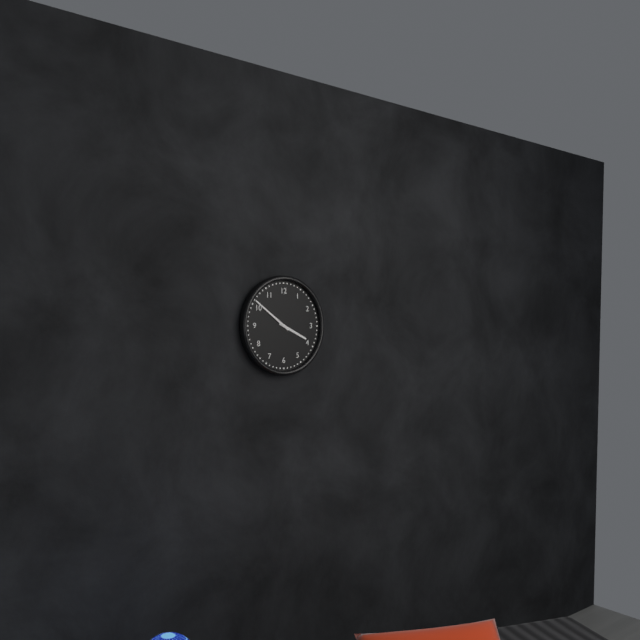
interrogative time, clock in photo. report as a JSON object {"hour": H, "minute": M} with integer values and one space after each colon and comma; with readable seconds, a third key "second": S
{"hour": 3, "minute": 51}
